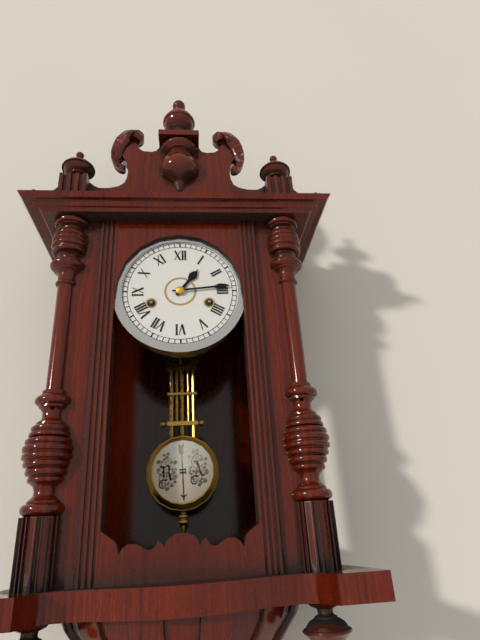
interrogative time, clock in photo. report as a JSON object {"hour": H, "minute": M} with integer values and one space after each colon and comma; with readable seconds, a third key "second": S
{"hour": 1, "minute": 14}
